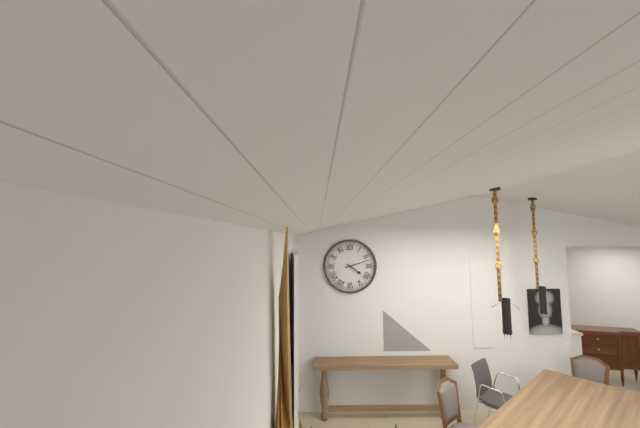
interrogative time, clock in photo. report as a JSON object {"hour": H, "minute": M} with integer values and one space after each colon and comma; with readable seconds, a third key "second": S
{"hour": 4, "minute": 12}
